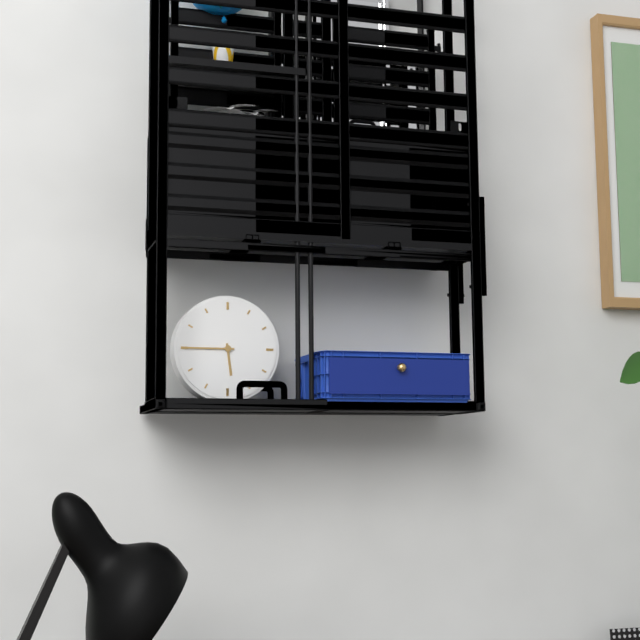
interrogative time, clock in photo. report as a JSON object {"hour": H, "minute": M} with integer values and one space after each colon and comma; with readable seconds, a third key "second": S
{"hour": 5, "minute": 45}
